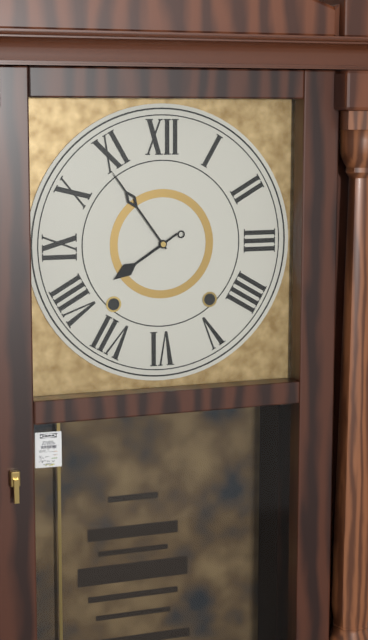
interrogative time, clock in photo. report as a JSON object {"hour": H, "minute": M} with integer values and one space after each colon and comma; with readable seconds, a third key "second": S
{"hour": 7, "minute": 54}
